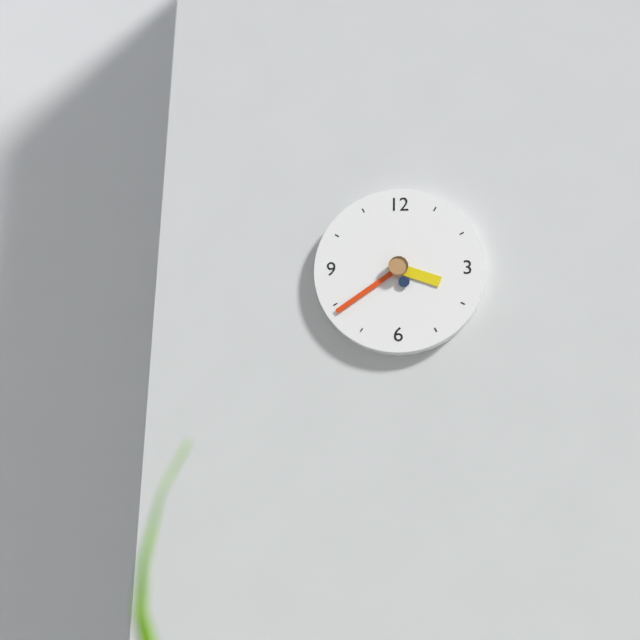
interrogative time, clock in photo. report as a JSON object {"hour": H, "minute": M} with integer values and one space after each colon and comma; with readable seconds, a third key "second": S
{"hour": 3, "minute": 39}
